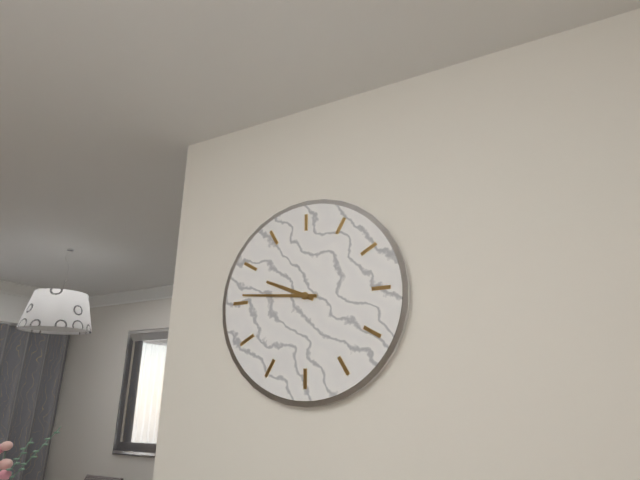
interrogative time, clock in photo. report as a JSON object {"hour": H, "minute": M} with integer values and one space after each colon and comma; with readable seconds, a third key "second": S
{"hour": 9, "minute": 46}
